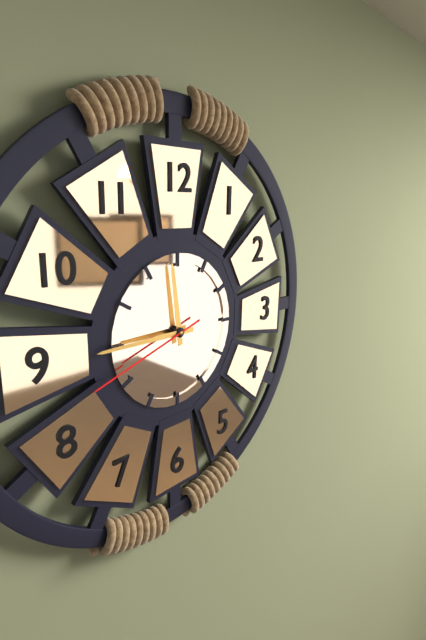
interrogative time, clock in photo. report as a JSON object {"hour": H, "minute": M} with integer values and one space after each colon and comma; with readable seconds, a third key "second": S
{"hour": 11, "minute": 45, "second": 42}
